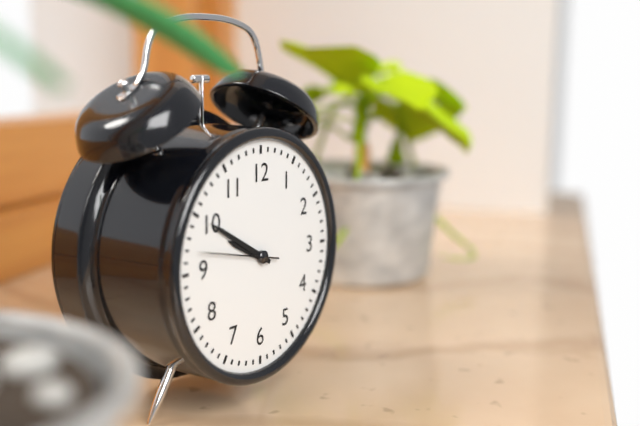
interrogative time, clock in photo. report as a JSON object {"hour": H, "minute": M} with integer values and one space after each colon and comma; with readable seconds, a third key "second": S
{"hour": 9, "minute": 50, "second": 47}
